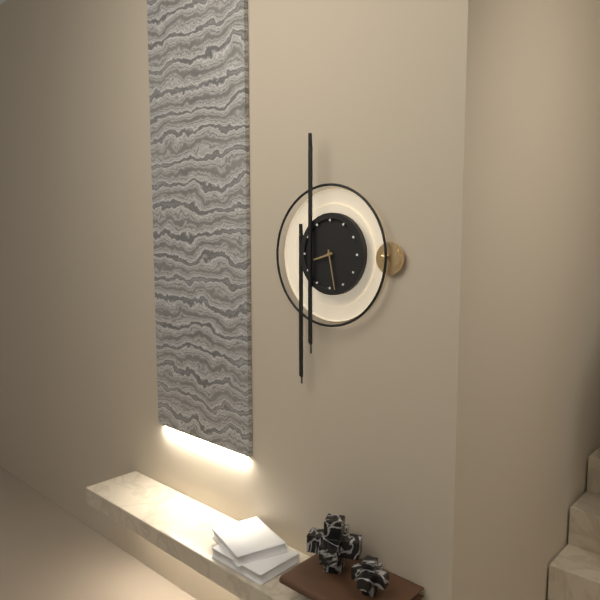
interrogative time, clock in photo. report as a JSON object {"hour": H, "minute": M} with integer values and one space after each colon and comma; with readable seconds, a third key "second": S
{"hour": 8, "minute": 28}
